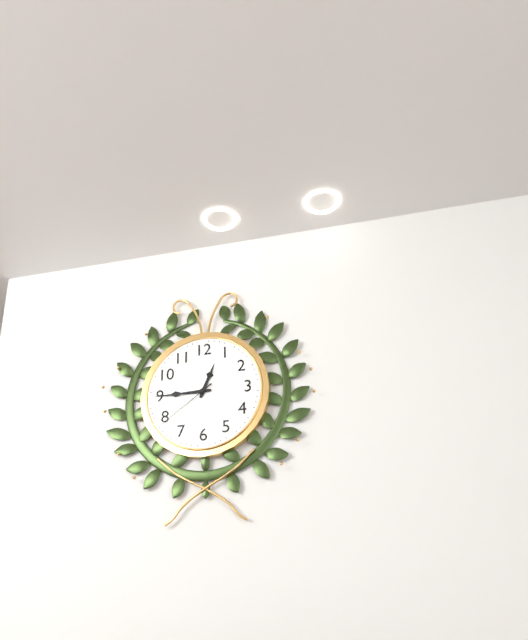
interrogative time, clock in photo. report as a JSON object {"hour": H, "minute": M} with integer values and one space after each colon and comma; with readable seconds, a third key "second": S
{"hour": 12, "minute": 45, "second": 39}
